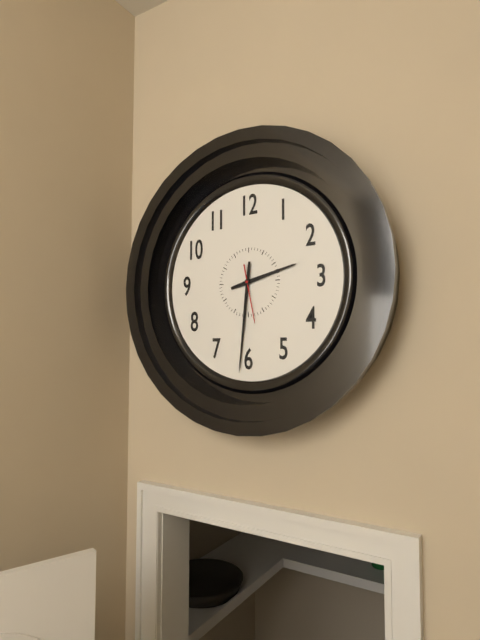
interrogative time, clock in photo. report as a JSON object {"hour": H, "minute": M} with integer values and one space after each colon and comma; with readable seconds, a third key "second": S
{"hour": 2, "minute": 31, "second": 28}
